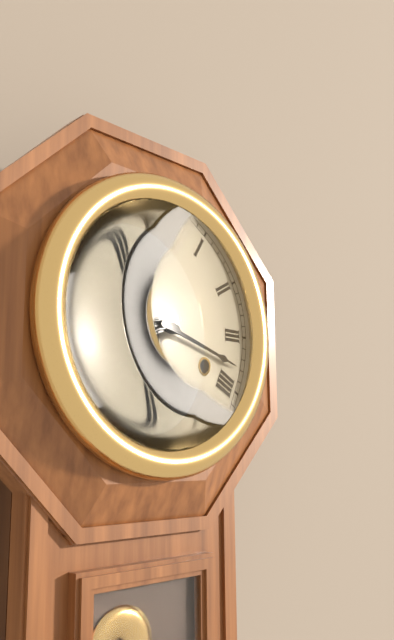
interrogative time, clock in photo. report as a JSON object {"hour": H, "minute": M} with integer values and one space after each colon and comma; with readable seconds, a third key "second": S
{"hour": 9, "minute": 18}
